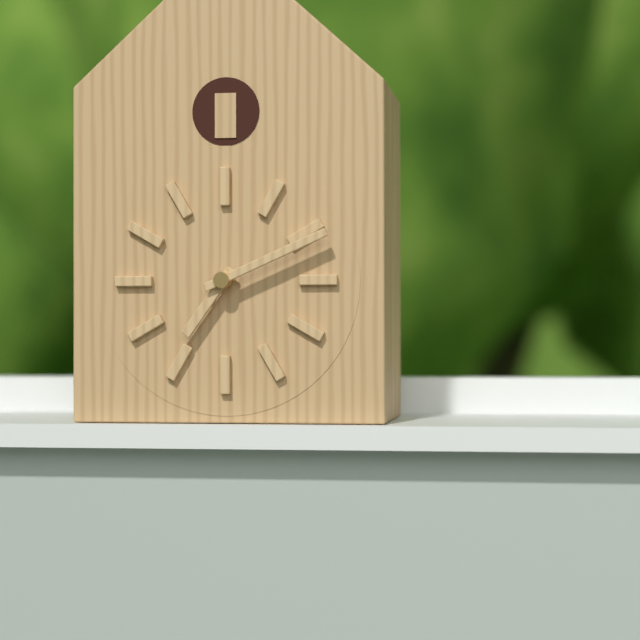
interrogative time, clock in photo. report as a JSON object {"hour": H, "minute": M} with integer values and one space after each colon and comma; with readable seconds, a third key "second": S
{"hour": 7, "minute": 11}
